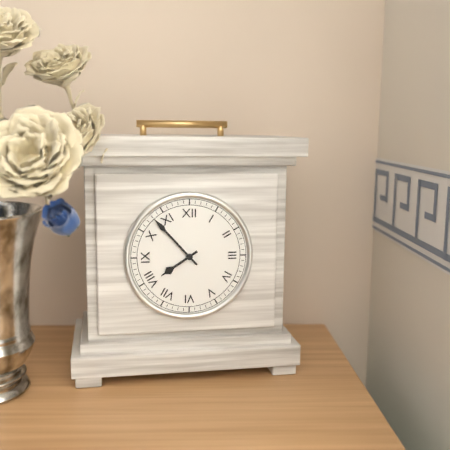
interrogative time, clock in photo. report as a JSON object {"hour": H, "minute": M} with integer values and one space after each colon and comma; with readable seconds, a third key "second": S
{"hour": 7, "minute": 53}
